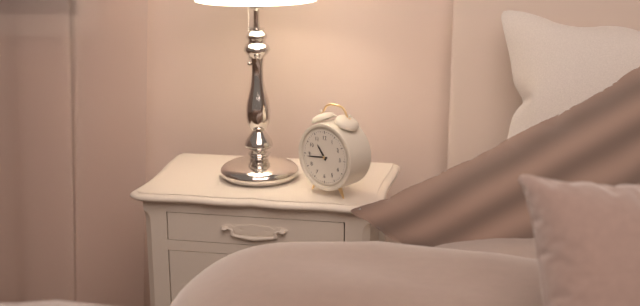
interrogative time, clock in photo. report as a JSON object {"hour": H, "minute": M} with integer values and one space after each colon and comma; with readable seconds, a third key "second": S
{"hour": 10, "minute": 44}
